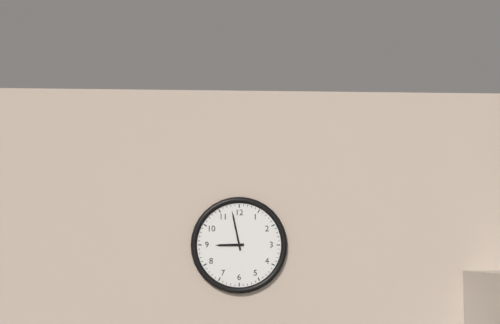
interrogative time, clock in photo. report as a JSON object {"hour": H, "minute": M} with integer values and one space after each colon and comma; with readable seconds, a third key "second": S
{"hour": 8, "minute": 58}
